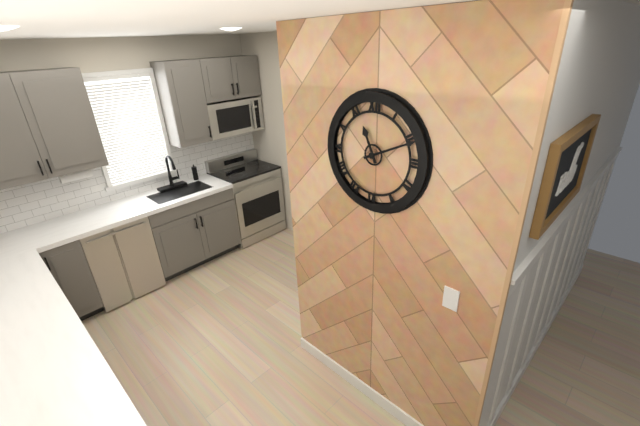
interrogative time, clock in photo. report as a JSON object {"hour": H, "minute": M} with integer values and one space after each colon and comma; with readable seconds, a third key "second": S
{"hour": 11, "minute": 11}
